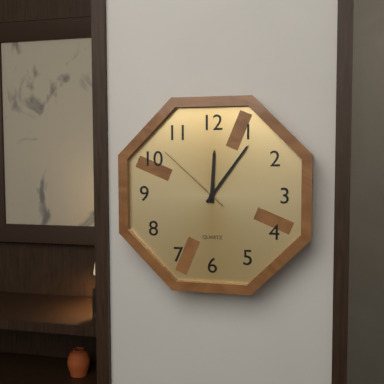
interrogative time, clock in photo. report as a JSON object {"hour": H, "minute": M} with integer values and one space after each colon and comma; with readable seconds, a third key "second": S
{"hour": 12, "minute": 6, "second": 52}
